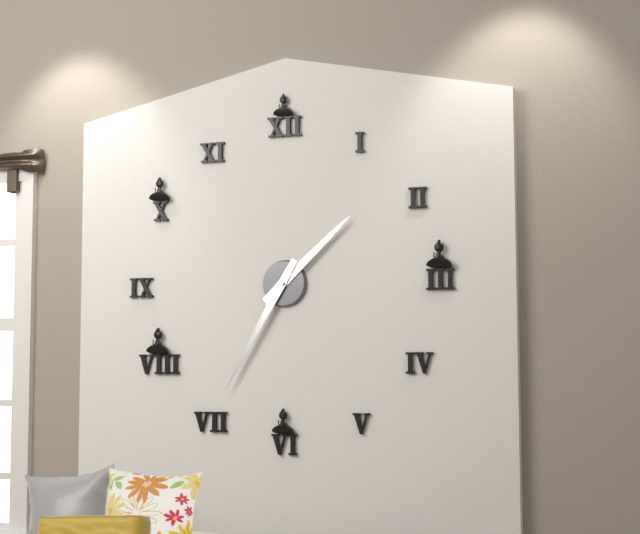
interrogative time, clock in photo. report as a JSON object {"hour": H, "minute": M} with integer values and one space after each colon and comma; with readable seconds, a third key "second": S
{"hour": 1, "minute": 35}
